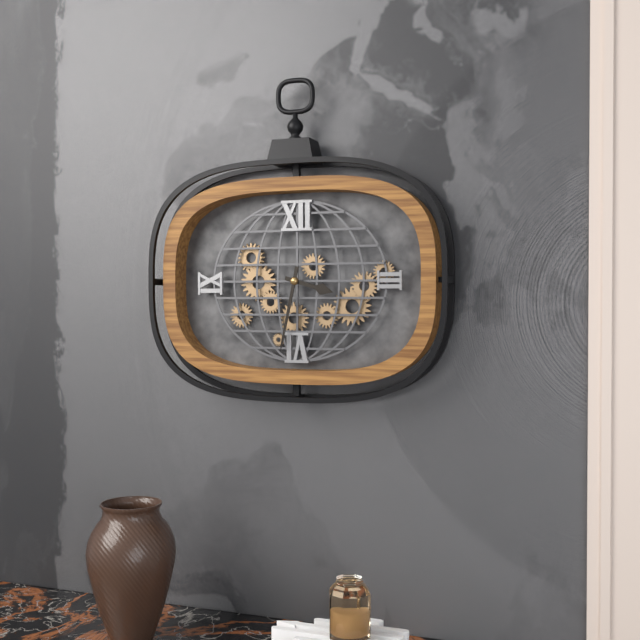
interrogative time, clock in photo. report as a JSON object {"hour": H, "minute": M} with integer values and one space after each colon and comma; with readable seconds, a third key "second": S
{"hour": 3, "minute": 32}
